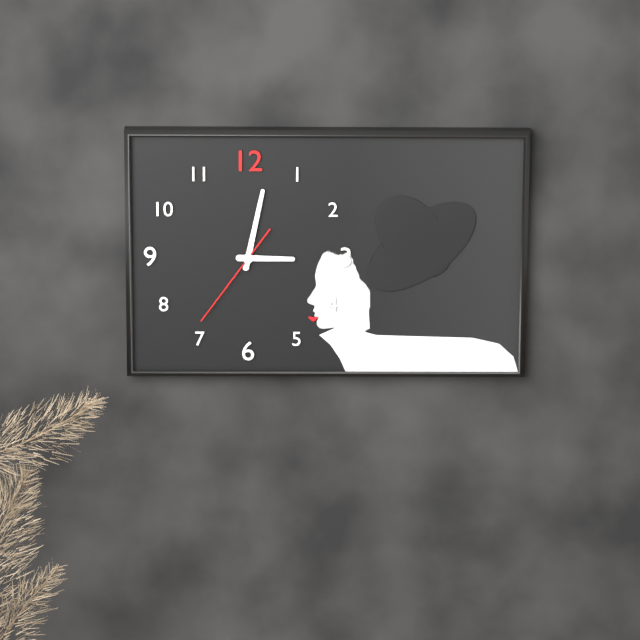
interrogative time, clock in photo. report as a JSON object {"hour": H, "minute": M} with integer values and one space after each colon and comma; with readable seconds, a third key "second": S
{"hour": 3, "minute": 2, "second": 36}
